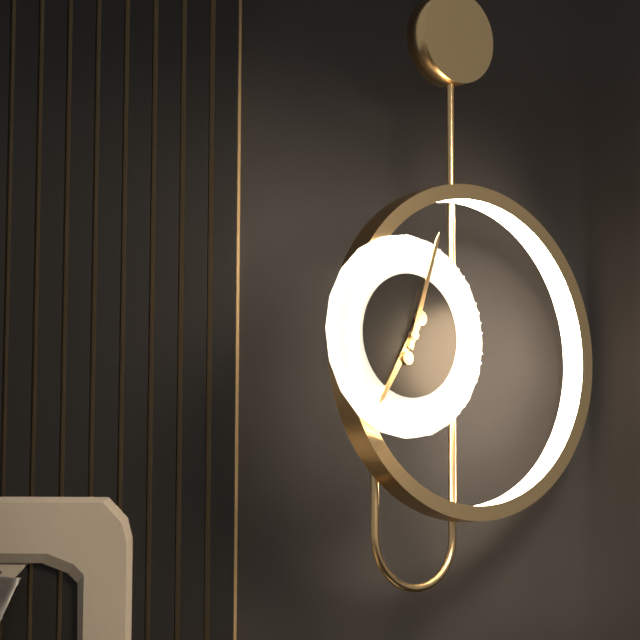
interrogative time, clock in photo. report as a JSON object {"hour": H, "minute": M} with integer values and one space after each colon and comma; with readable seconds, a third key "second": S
{"hour": 7, "minute": 3}
